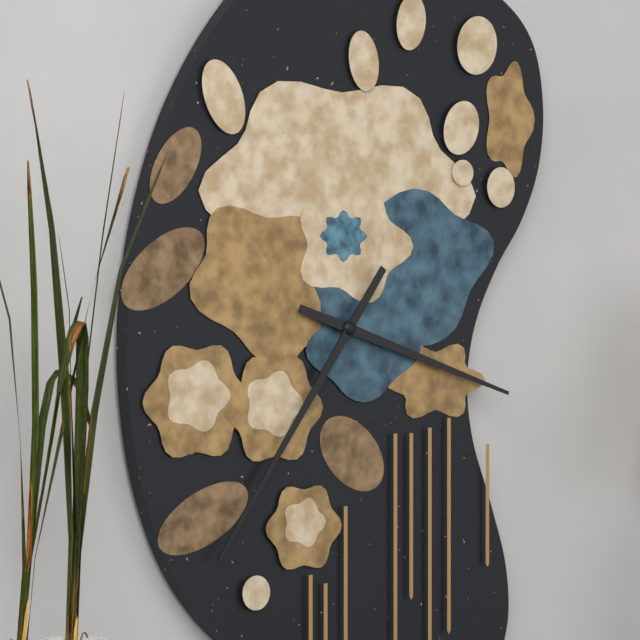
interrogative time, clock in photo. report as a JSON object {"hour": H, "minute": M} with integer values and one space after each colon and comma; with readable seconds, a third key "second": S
{"hour": 3, "minute": 36}
